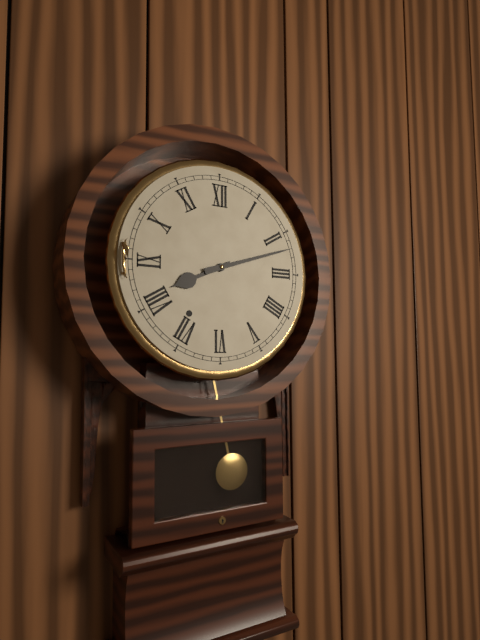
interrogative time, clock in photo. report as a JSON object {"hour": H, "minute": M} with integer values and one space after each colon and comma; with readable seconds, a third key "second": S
{"hour": 8, "minute": 12}
